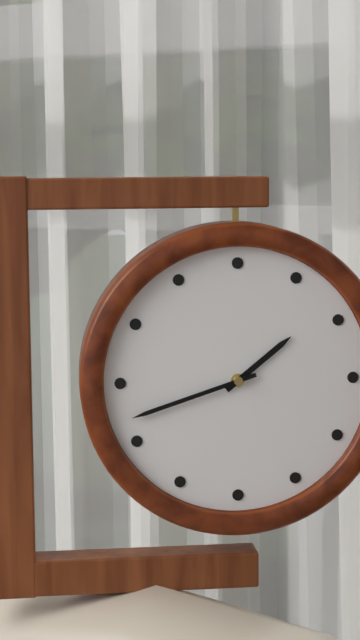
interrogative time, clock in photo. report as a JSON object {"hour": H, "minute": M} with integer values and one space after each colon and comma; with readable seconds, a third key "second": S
{"hour": 1, "minute": 42}
